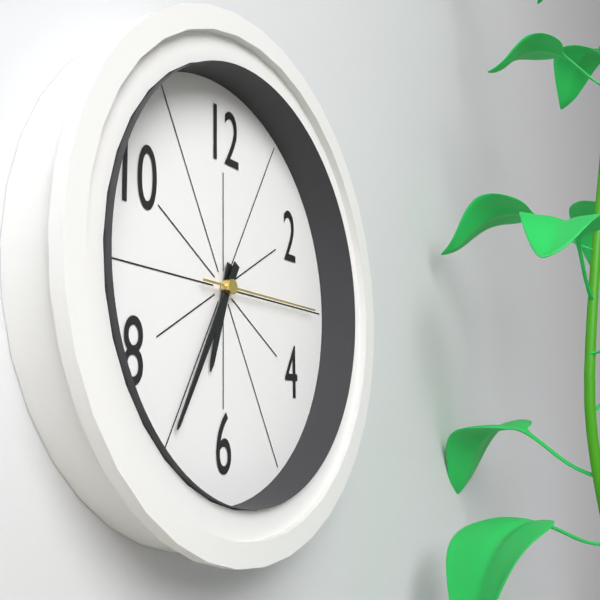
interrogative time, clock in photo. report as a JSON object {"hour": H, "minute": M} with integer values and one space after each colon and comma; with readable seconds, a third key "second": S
{"hour": 6, "minute": 35, "second": 15}
